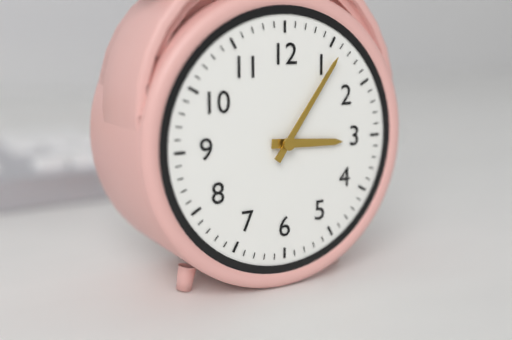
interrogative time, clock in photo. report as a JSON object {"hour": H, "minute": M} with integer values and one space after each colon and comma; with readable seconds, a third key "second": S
{"hour": 3, "minute": 6}
